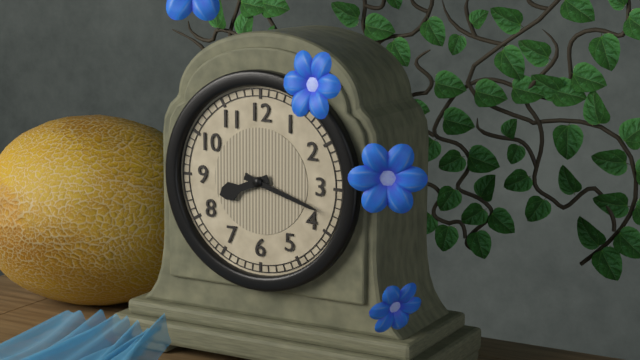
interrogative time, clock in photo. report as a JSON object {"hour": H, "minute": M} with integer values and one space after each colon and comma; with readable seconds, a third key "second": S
{"hour": 8, "minute": 18}
